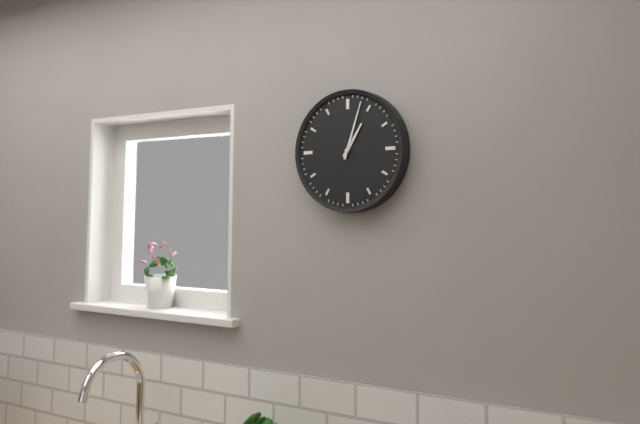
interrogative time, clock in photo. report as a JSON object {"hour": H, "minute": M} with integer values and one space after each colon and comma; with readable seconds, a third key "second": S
{"hour": 1, "minute": 3}
